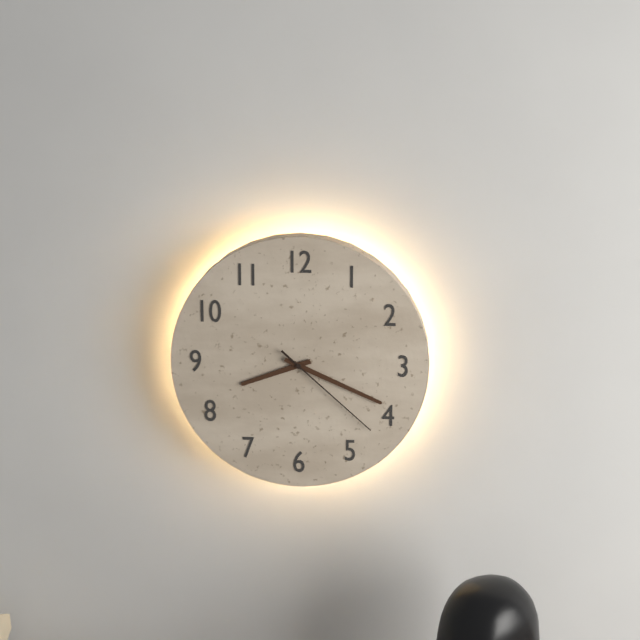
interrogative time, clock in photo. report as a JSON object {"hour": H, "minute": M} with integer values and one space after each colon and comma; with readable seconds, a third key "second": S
{"hour": 8, "minute": 19, "second": 22}
